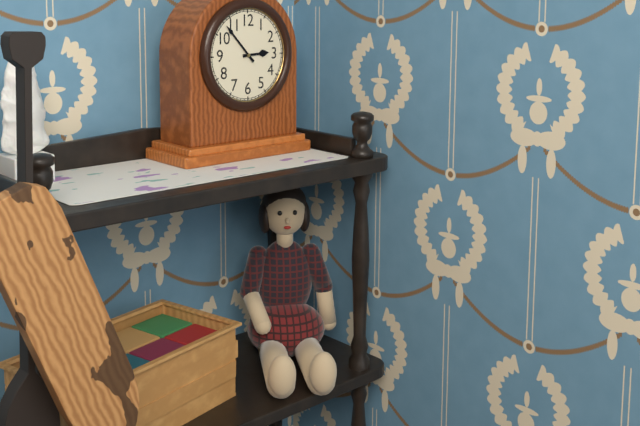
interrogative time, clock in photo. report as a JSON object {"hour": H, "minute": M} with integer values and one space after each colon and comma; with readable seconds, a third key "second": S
{"hour": 2, "minute": 53}
